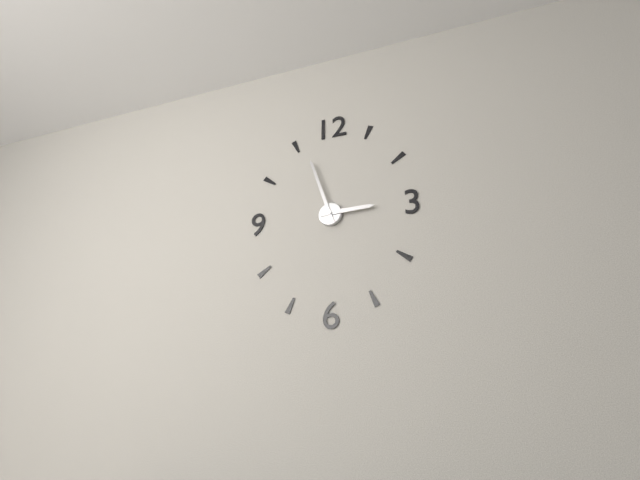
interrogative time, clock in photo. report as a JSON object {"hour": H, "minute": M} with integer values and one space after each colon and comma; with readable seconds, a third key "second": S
{"hour": 2, "minute": 57}
